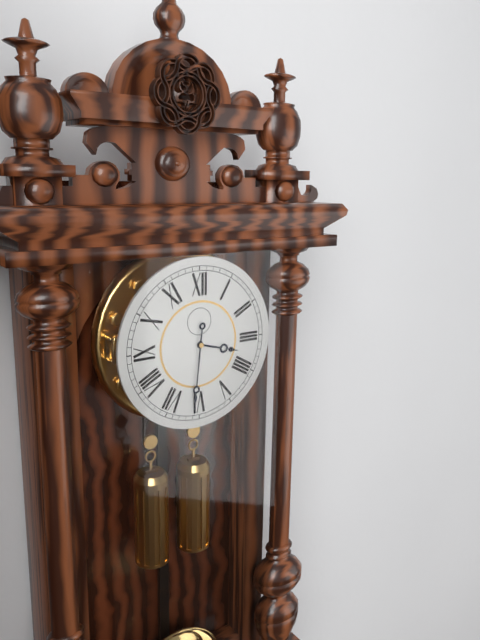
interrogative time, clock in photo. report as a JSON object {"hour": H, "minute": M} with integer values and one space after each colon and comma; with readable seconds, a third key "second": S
{"hour": 3, "minute": 31}
